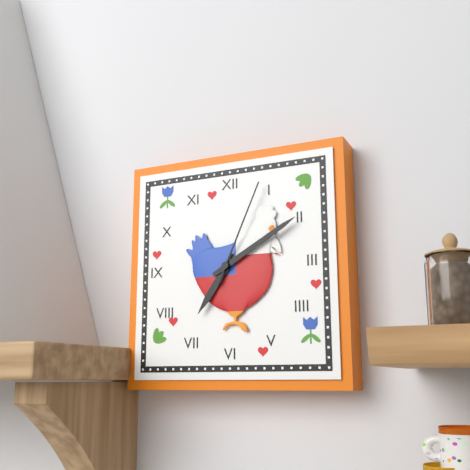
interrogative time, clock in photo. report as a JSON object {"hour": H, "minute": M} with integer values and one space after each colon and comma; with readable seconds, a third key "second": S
{"hour": 7, "minute": 10, "second": 4}
